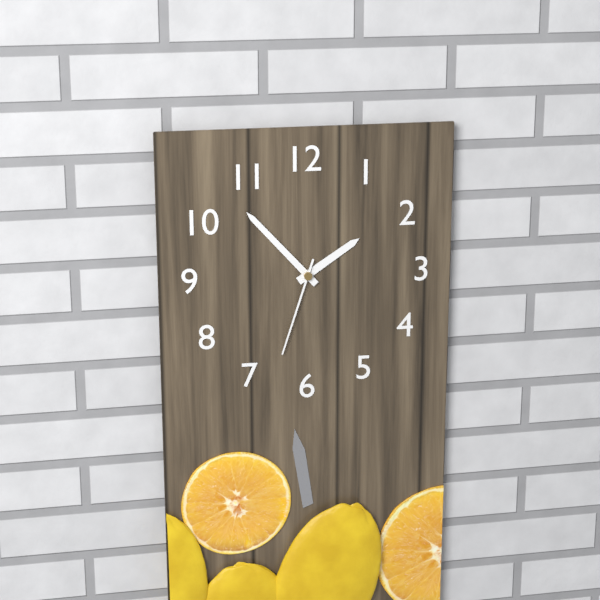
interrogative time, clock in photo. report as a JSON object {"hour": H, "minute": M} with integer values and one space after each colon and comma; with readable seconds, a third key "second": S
{"hour": 1, "minute": 53, "second": 33}
